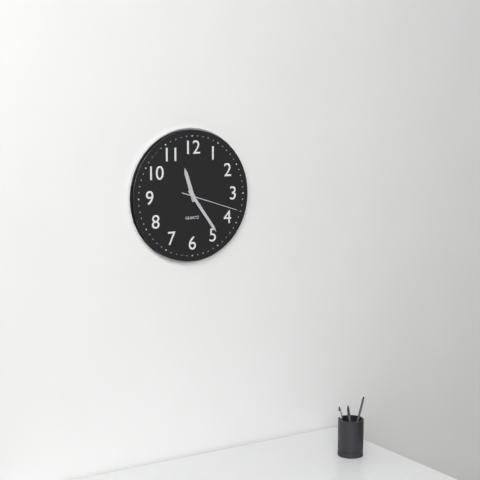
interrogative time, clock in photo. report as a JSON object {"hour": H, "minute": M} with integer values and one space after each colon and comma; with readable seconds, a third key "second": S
{"hour": 11, "minute": 24, "second": 18}
